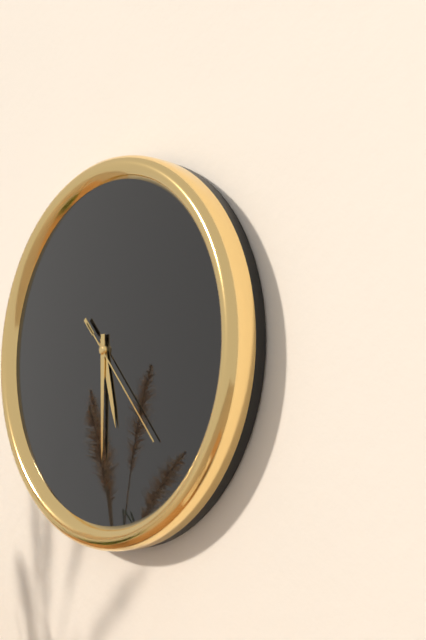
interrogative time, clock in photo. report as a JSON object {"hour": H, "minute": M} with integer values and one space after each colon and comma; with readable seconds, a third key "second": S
{"hour": 5, "minute": 30, "second": 23}
